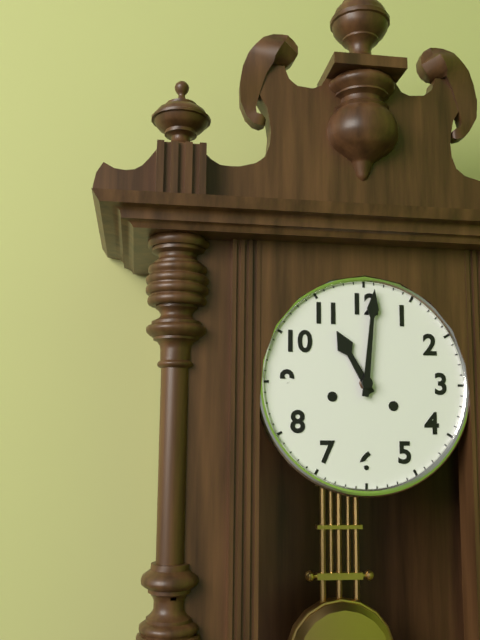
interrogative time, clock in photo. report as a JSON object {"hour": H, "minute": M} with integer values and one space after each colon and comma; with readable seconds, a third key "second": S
{"hour": 11, "minute": 1}
